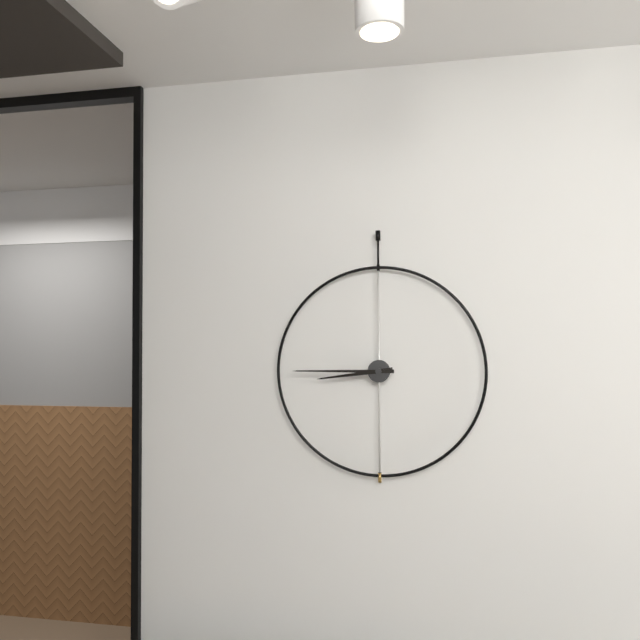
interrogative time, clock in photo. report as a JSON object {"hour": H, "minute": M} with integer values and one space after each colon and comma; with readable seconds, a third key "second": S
{"hour": 8, "minute": 45}
